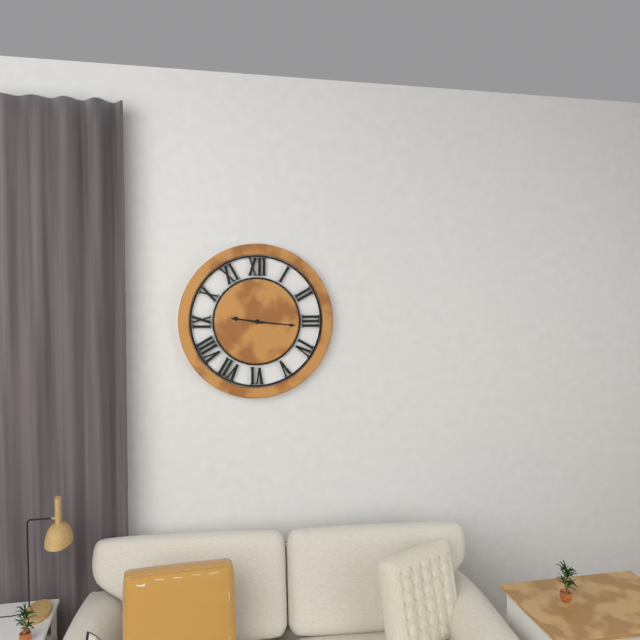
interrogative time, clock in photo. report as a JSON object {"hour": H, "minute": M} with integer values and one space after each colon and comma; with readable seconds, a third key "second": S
{"hour": 9, "minute": 16}
